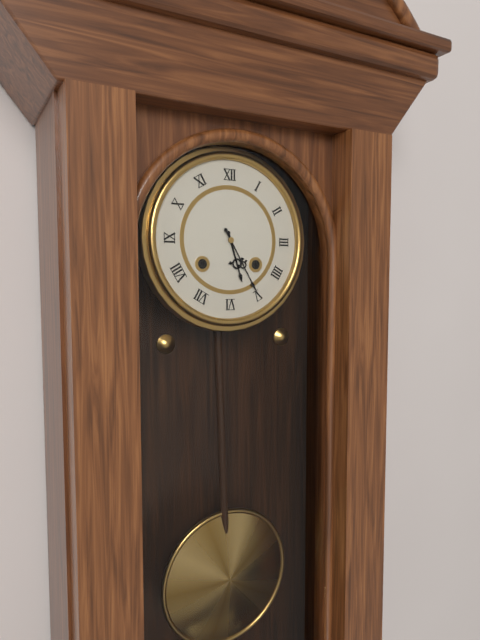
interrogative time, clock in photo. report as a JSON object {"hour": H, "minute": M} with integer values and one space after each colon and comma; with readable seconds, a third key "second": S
{"hour": 5, "minute": 25}
